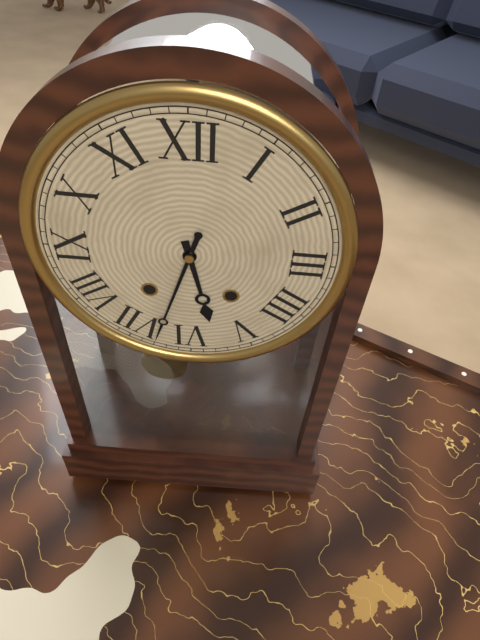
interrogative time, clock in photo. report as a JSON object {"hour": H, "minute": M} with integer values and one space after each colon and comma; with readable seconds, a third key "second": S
{"hour": 5, "minute": 33}
